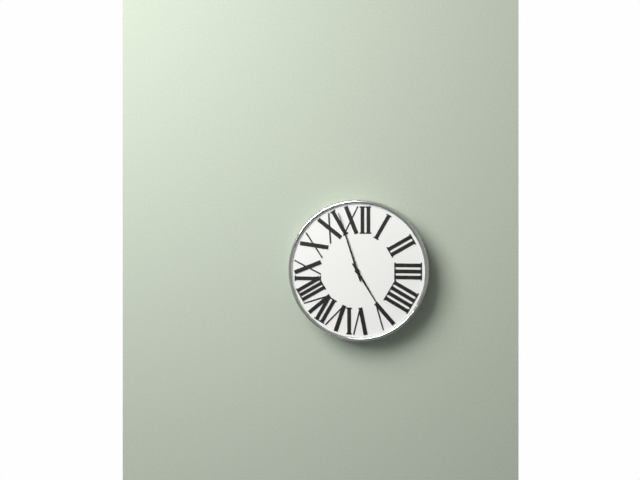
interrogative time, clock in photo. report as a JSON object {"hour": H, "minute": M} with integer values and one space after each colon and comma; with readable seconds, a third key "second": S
{"hour": 4, "minute": 57}
